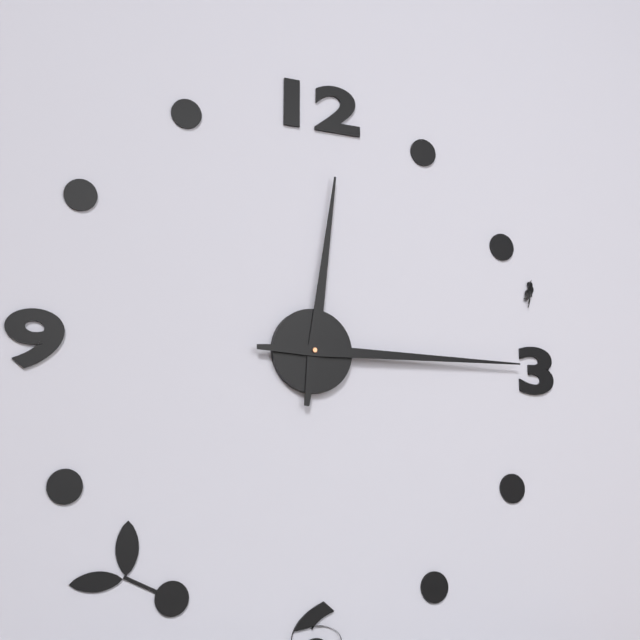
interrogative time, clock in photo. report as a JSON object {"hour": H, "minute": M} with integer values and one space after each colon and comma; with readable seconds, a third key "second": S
{"hour": 12, "minute": 15}
